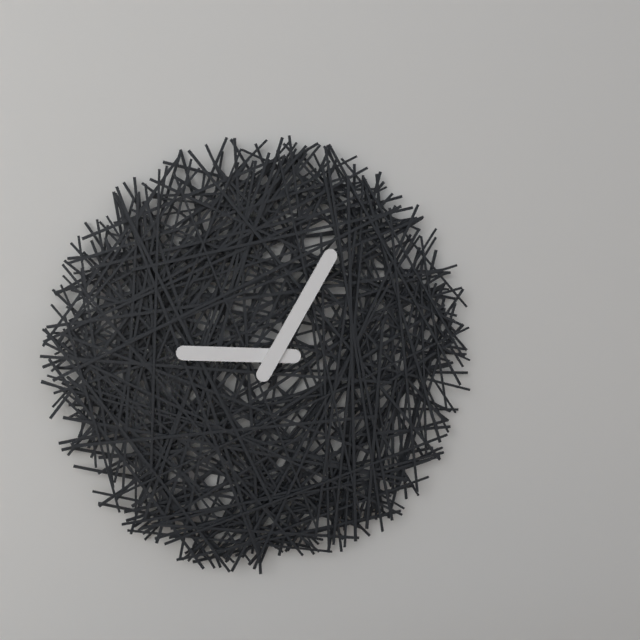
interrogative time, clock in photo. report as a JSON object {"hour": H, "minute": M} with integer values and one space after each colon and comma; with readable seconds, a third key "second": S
{"hour": 9, "minute": 5}
